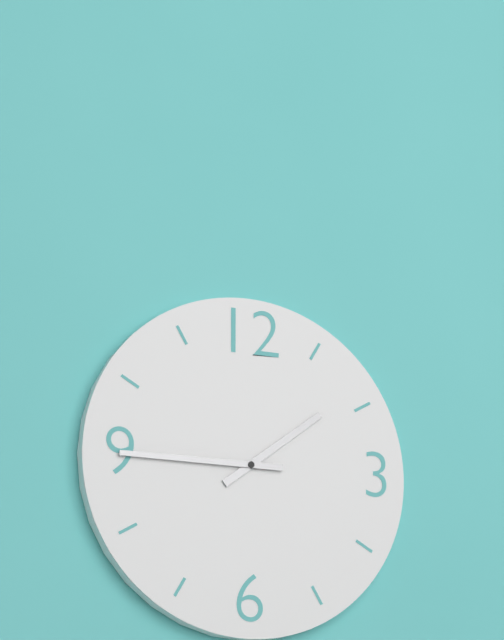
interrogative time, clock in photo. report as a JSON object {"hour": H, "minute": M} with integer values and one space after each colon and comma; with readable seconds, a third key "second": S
{"hour": 1, "minute": 45}
